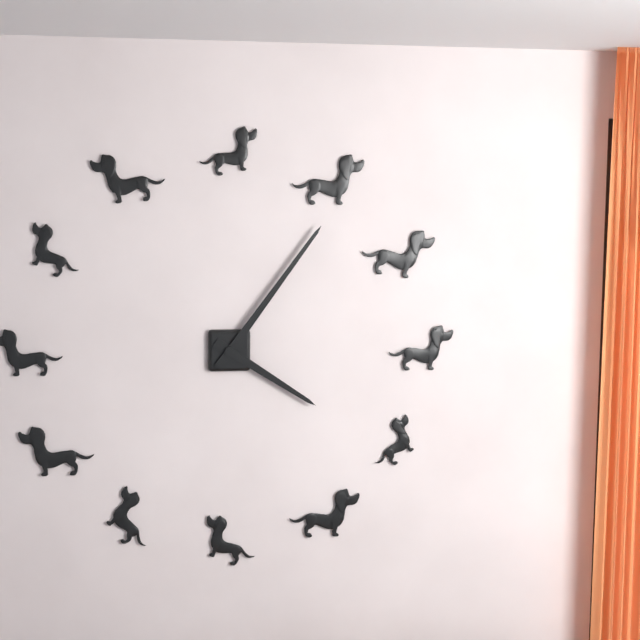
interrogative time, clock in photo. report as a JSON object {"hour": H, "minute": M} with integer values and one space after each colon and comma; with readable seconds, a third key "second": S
{"hour": 4, "minute": 6}
